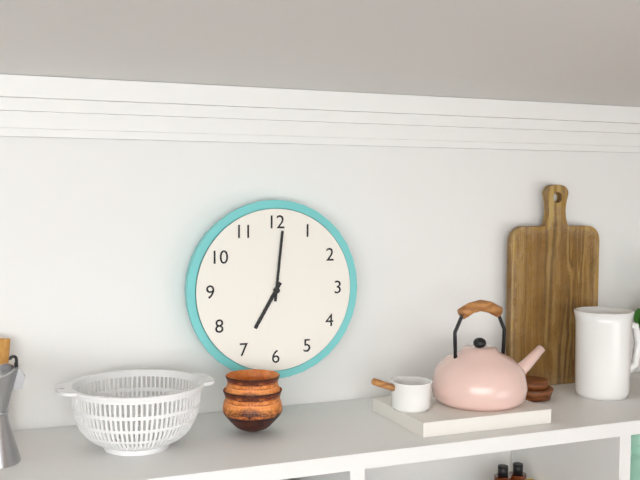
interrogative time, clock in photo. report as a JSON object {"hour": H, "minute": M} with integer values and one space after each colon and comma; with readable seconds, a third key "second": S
{"hour": 7, "minute": 1}
